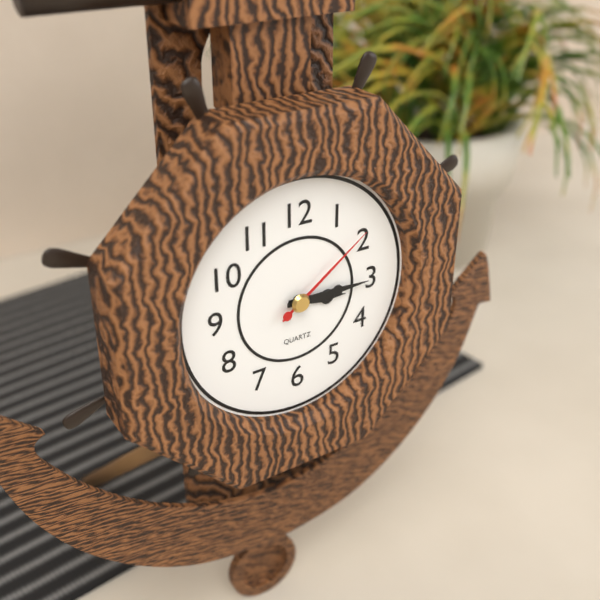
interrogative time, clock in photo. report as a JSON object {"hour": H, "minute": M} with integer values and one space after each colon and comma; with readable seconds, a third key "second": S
{"hour": 3, "minute": 15, "second": 9}
